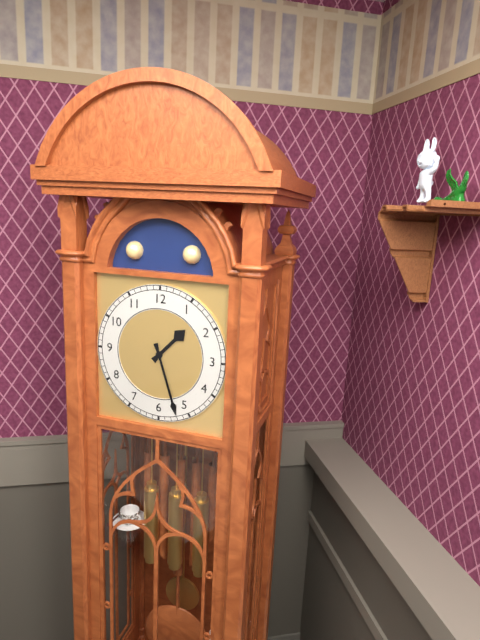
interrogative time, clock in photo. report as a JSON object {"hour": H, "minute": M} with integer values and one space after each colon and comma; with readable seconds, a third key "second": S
{"hour": 1, "minute": 27}
